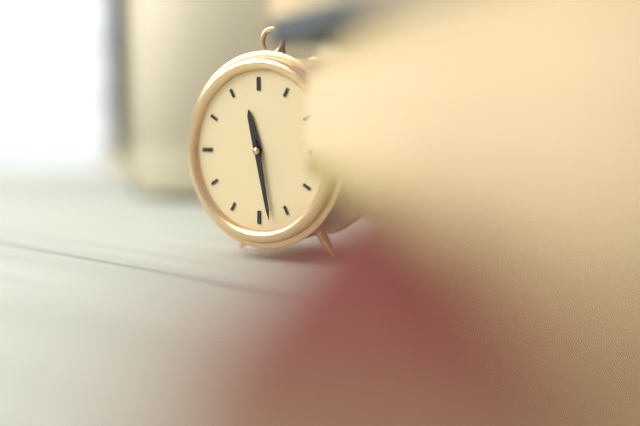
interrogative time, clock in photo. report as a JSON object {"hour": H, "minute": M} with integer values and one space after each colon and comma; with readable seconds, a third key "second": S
{"hour": 11, "minute": 28}
